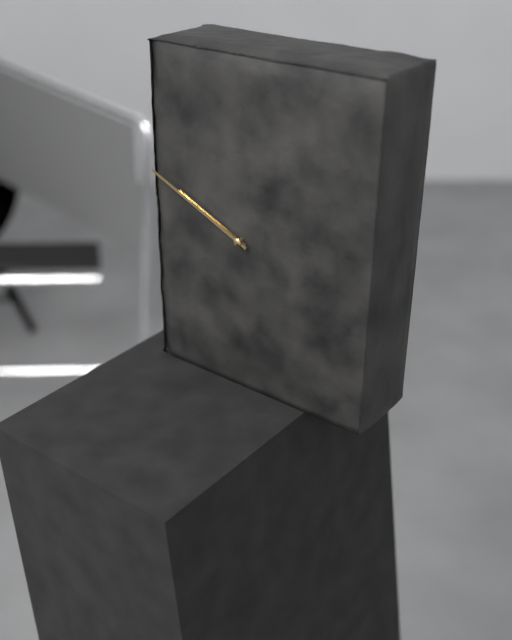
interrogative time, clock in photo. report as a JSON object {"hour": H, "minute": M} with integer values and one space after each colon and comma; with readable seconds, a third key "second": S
{"hour": 9, "minute": 49}
